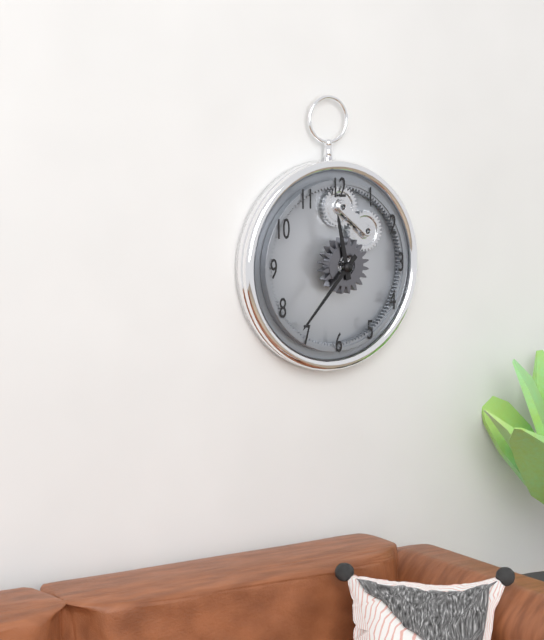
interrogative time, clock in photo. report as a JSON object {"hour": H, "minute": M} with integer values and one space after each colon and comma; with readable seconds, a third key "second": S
{"hour": 11, "minute": 37}
